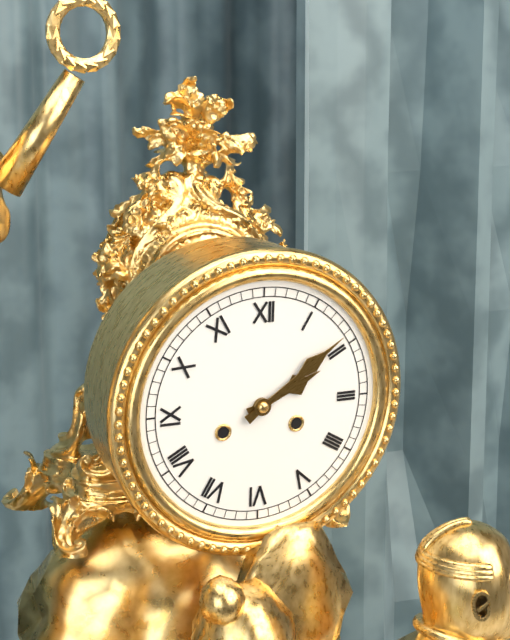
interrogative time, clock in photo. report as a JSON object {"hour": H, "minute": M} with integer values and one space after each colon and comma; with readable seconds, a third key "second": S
{"hour": 2, "minute": 9}
